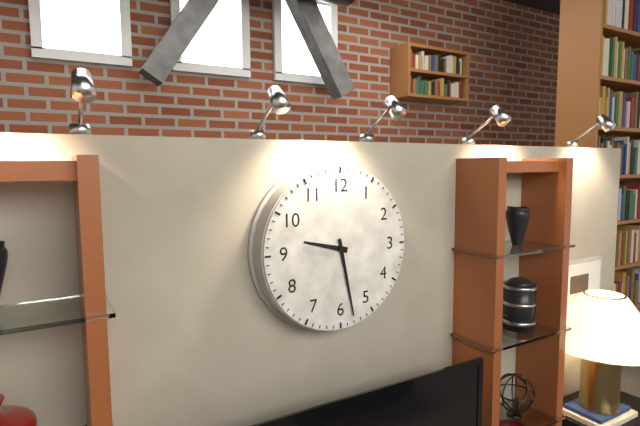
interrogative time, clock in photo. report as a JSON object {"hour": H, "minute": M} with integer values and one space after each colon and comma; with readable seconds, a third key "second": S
{"hour": 9, "minute": 28}
